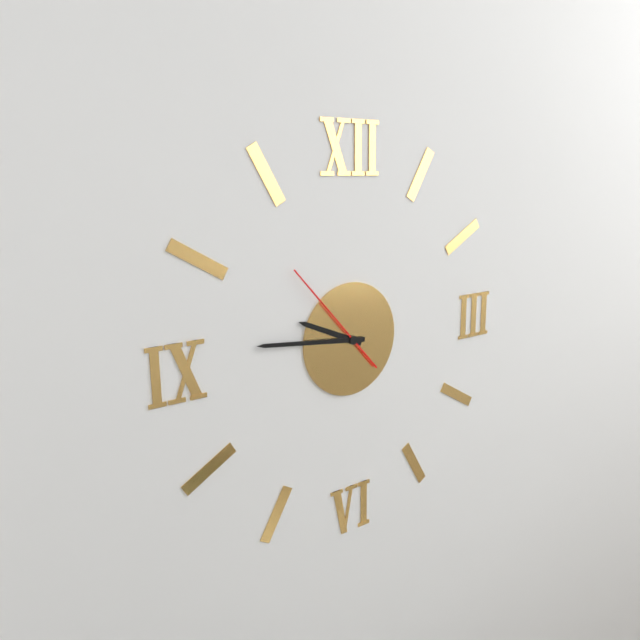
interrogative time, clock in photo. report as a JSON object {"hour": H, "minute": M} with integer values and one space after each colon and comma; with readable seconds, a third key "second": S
{"hour": 9, "minute": 46, "second": 53}
